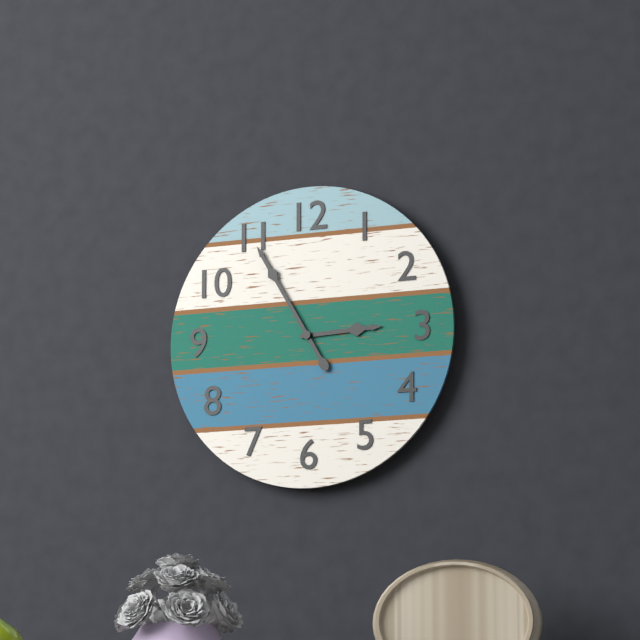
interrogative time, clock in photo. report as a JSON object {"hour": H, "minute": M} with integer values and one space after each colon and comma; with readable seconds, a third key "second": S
{"hour": 2, "minute": 55}
